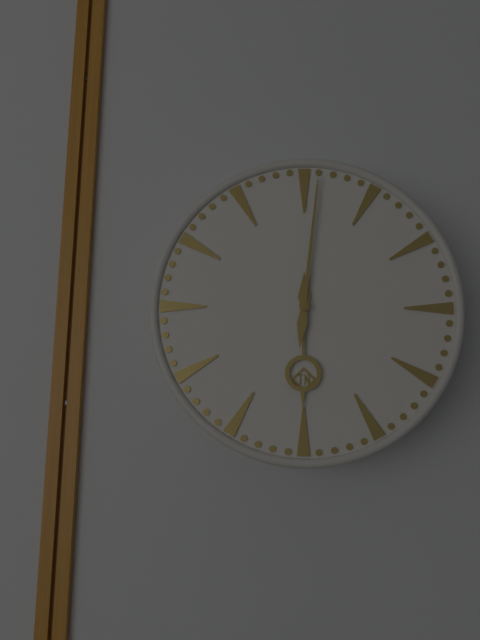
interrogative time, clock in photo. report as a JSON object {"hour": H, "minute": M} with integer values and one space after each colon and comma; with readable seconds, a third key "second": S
{"hour": 6, "minute": 1}
